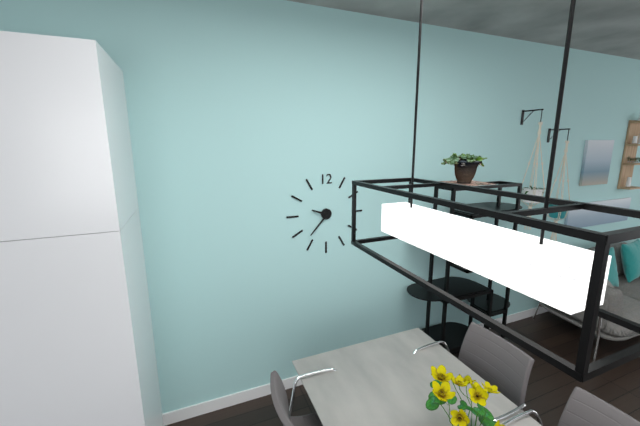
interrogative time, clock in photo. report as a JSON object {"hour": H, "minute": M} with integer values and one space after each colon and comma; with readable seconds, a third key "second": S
{"hour": 9, "minute": 37}
